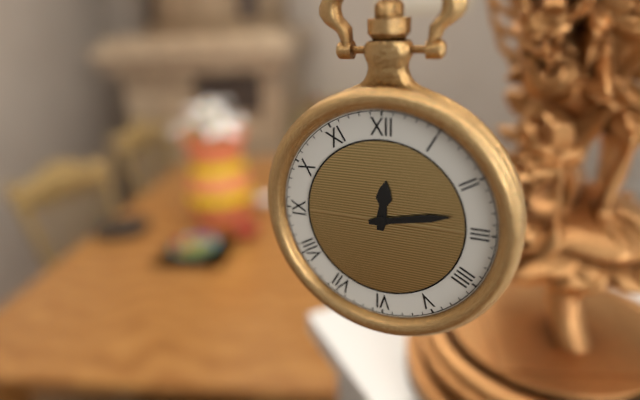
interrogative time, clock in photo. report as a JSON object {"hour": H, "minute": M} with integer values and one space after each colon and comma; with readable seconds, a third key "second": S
{"hour": 12, "minute": 13}
